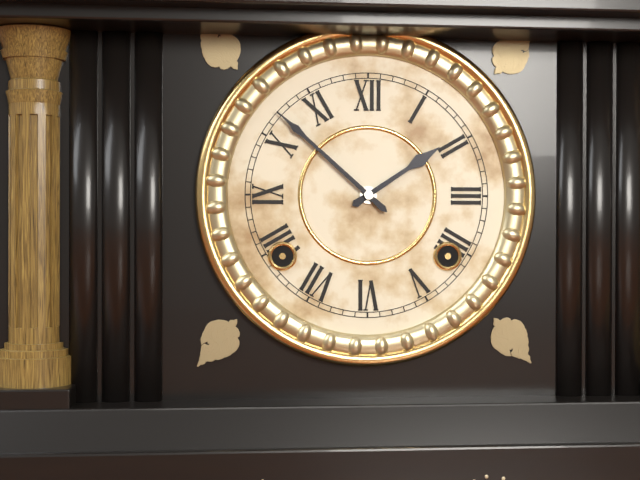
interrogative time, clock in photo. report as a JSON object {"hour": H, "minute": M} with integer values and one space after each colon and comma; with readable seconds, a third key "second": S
{"hour": 1, "minute": 52}
